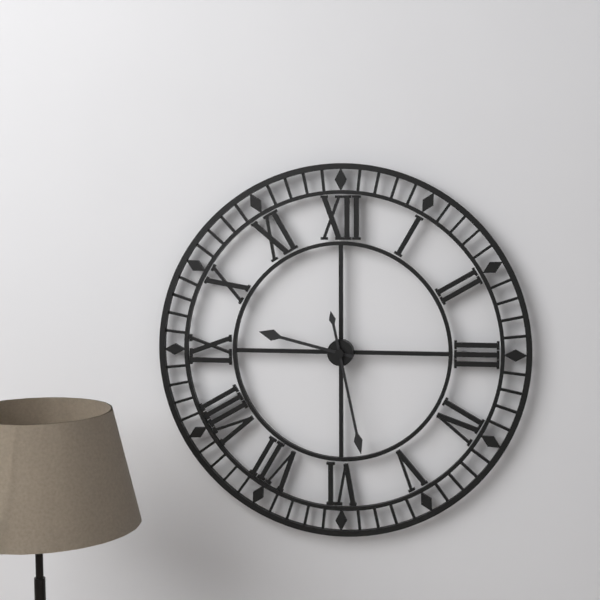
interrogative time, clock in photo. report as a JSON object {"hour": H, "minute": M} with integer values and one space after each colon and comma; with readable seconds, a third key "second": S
{"hour": 9, "minute": 28}
